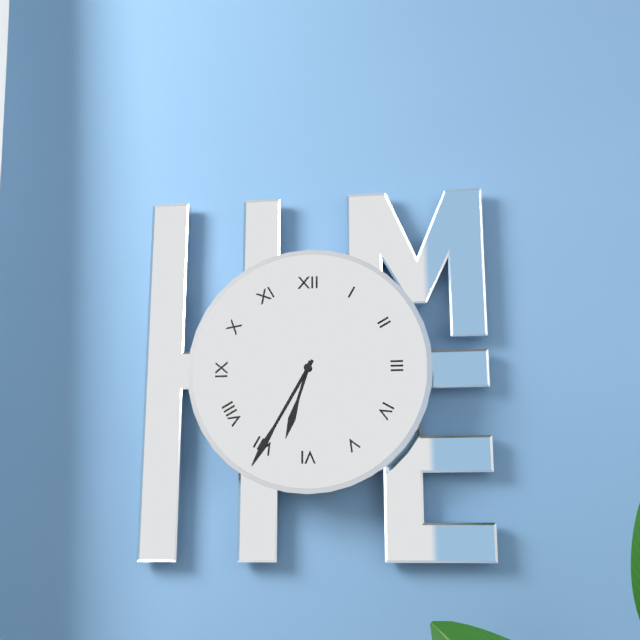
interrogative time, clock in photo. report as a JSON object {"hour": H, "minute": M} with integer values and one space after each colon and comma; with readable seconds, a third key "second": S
{"hour": 6, "minute": 35}
